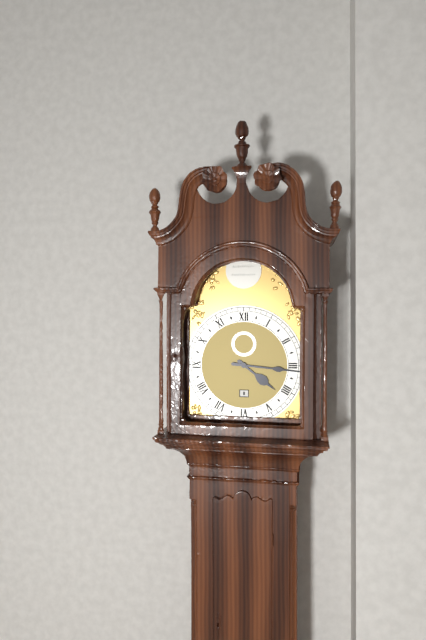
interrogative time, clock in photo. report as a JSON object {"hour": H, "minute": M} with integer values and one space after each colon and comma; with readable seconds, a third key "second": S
{"hour": 4, "minute": 16}
